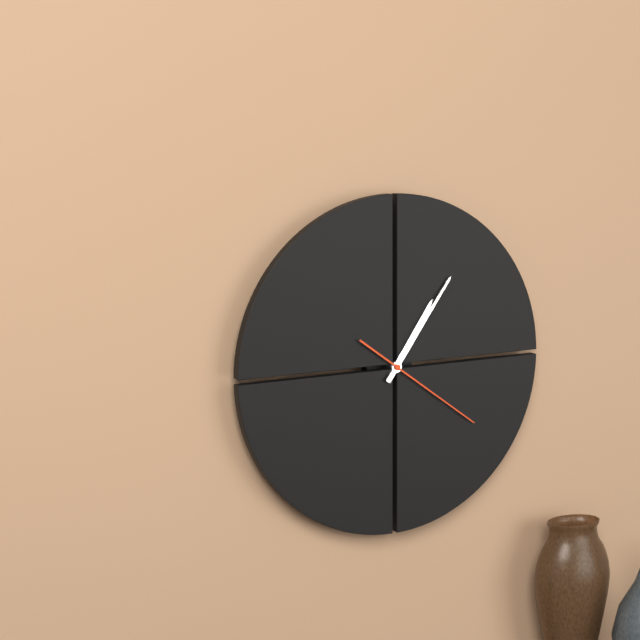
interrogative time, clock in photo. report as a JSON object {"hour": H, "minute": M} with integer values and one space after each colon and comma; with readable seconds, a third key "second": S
{"hour": 1, "minute": 6, "second": 21}
